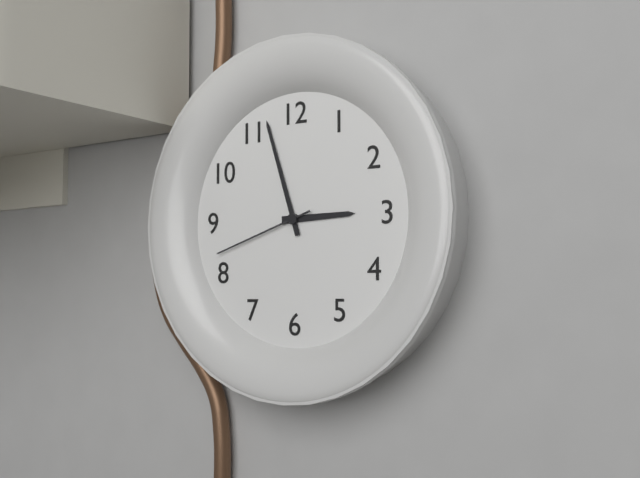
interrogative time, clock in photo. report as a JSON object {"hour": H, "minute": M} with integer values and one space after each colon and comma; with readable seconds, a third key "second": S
{"hour": 2, "minute": 57, "second": 42}
